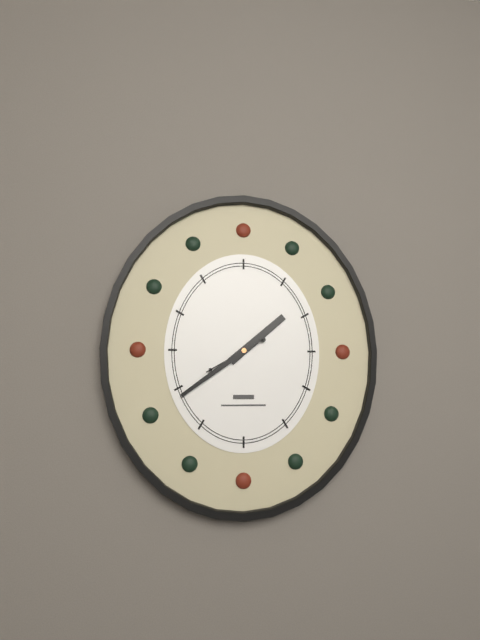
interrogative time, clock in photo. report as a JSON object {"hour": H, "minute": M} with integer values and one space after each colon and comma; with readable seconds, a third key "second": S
{"hour": 1, "minute": 39, "second": 40}
